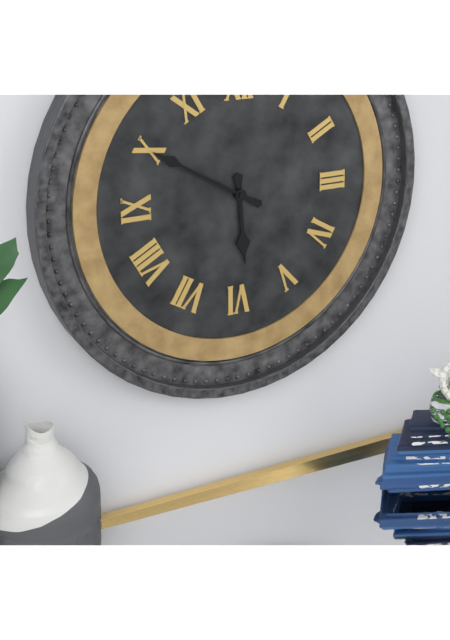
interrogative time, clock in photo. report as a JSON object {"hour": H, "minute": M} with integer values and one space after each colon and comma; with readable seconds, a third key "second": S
{"hour": 5, "minute": 50}
